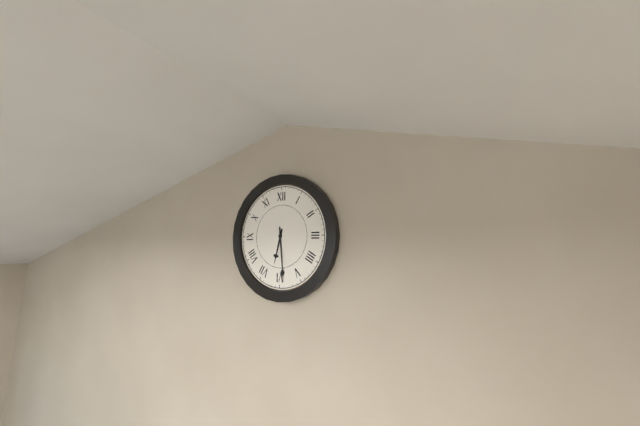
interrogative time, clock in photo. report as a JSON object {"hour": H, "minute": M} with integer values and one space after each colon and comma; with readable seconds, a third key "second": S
{"hour": 6, "minute": 29}
